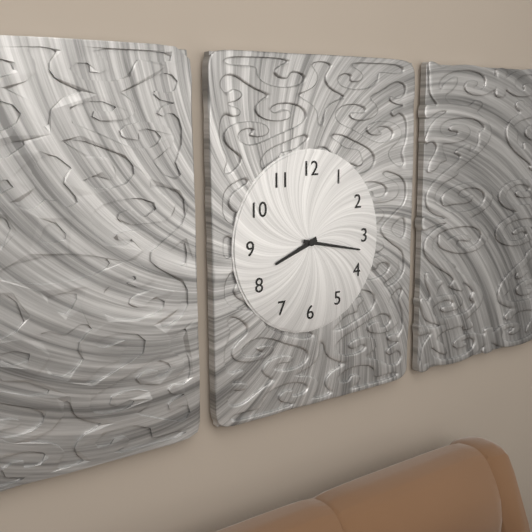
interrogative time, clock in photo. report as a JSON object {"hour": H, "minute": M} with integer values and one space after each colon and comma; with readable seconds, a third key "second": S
{"hour": 8, "minute": 17}
